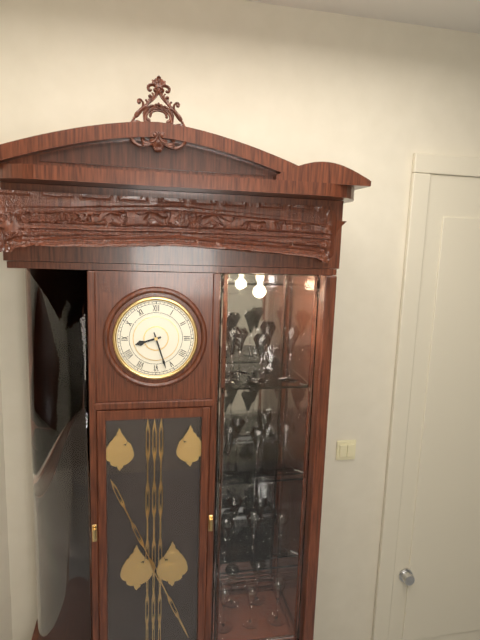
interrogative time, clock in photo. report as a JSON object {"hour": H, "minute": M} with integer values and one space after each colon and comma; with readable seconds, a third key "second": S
{"hour": 8, "minute": 27}
